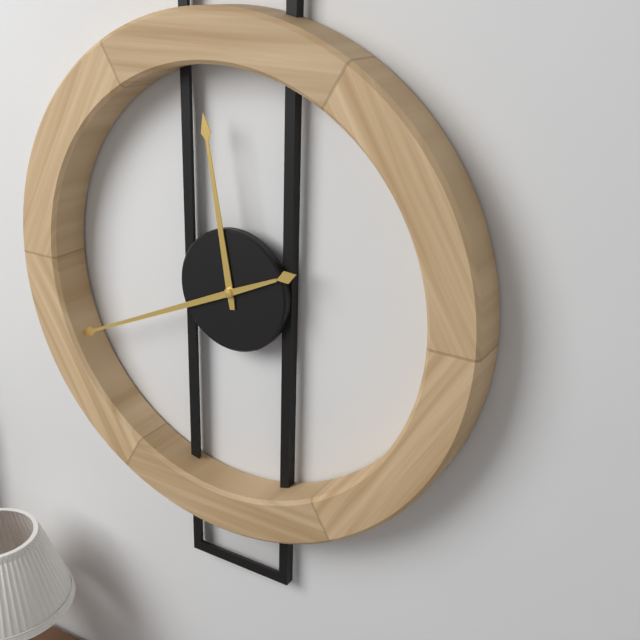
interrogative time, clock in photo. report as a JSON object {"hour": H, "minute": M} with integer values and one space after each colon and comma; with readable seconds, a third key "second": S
{"hour": 11, "minute": 41}
